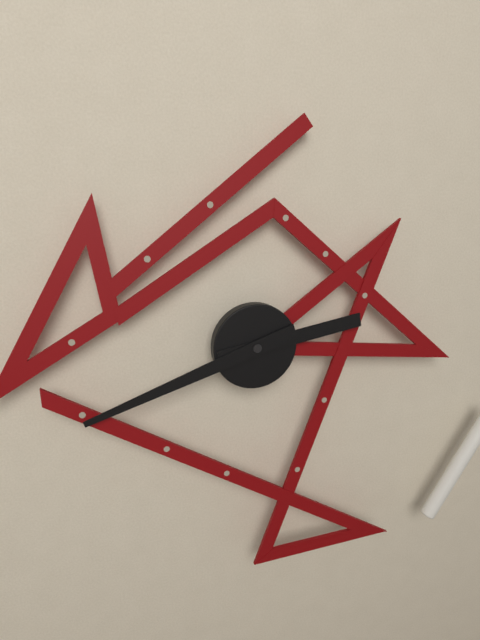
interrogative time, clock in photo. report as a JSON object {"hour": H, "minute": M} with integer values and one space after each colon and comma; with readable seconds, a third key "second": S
{"hour": 2, "minute": 42}
